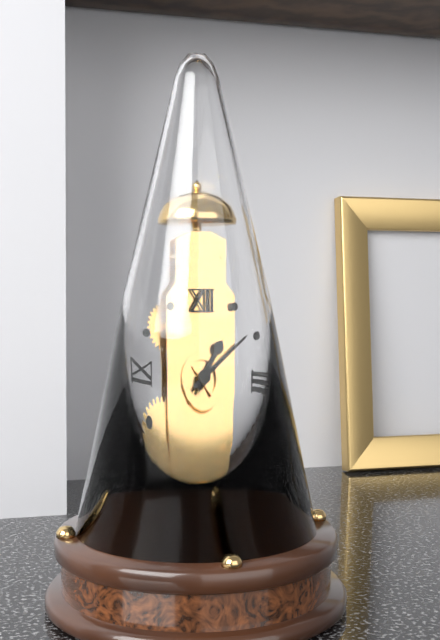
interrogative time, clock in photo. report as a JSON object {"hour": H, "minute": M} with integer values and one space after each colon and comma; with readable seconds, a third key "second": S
{"hour": 1, "minute": 9}
